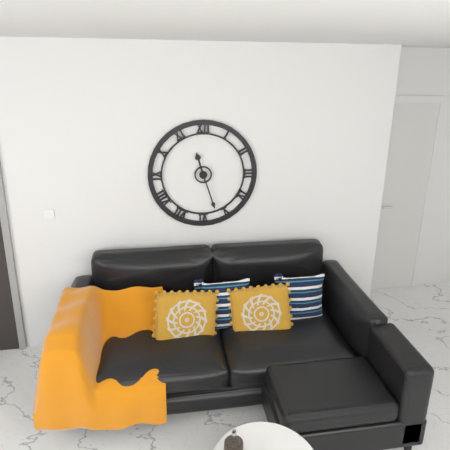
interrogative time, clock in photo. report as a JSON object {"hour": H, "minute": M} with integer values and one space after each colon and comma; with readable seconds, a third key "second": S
{"hour": 11, "minute": 27}
